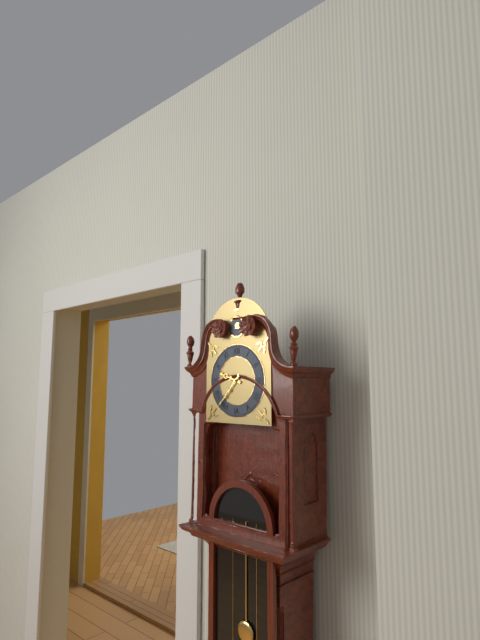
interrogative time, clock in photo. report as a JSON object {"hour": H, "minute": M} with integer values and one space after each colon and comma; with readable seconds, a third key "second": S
{"hour": 9, "minute": 37}
